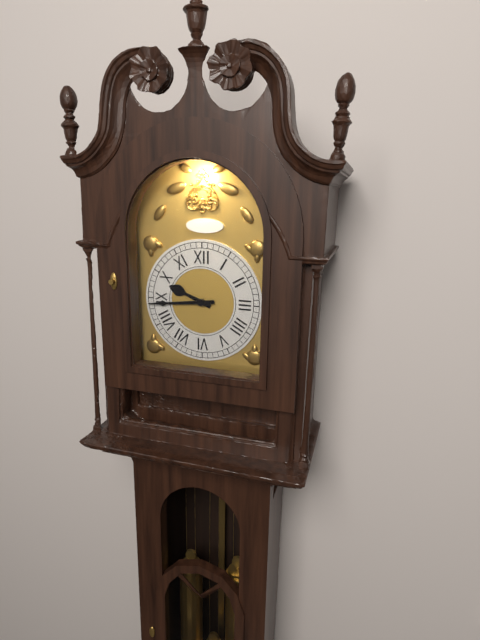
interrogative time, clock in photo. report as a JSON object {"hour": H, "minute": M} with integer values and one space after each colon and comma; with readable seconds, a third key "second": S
{"hour": 9, "minute": 44}
